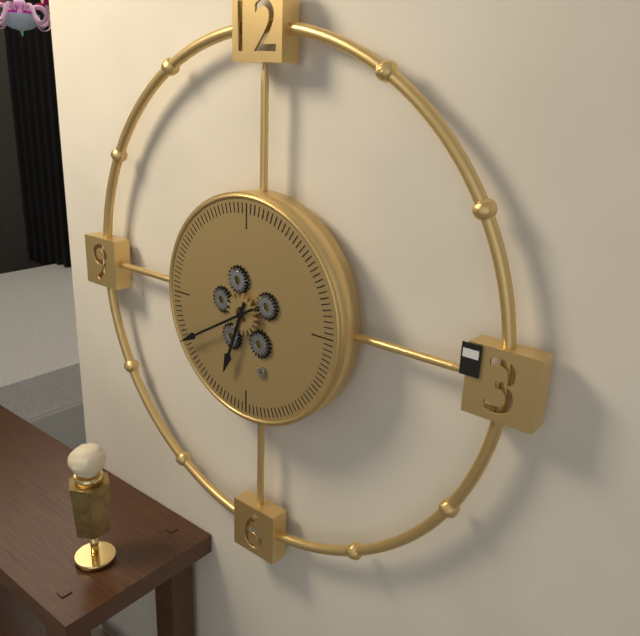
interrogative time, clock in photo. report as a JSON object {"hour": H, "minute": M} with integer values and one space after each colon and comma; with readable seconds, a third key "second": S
{"hour": 6, "minute": 40}
